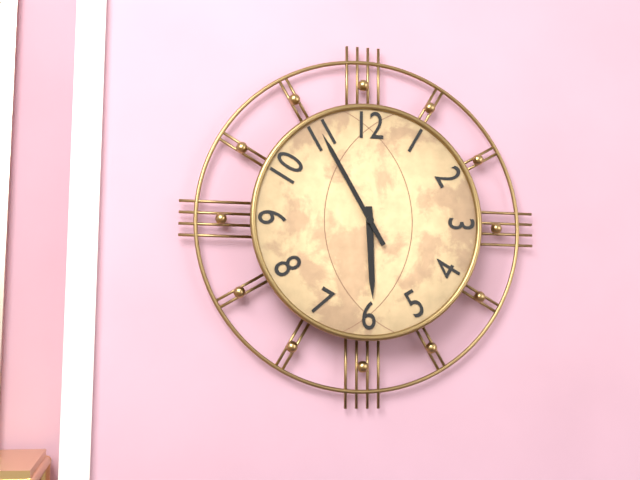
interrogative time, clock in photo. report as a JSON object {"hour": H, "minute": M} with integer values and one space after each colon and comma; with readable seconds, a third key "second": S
{"hour": 5, "minute": 55}
